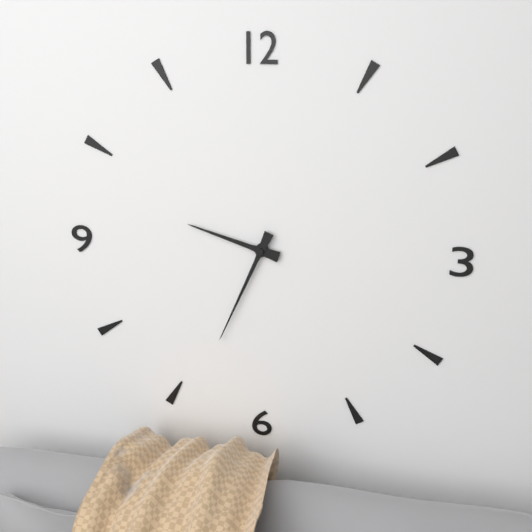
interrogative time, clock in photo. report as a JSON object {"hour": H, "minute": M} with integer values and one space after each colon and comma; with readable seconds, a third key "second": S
{"hour": 9, "minute": 34}
